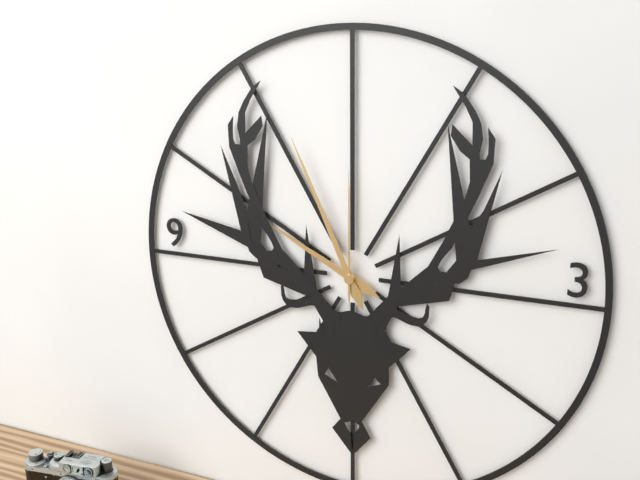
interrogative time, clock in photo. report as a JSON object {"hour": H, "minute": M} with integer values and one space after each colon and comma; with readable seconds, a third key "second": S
{"hour": 9, "minute": 56, "second": 0}
